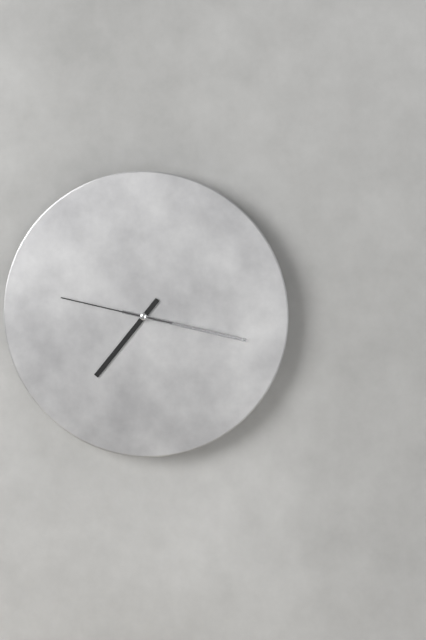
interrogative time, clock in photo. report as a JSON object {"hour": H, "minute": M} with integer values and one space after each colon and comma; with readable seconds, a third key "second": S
{"hour": 7, "minute": 17, "second": 47}
